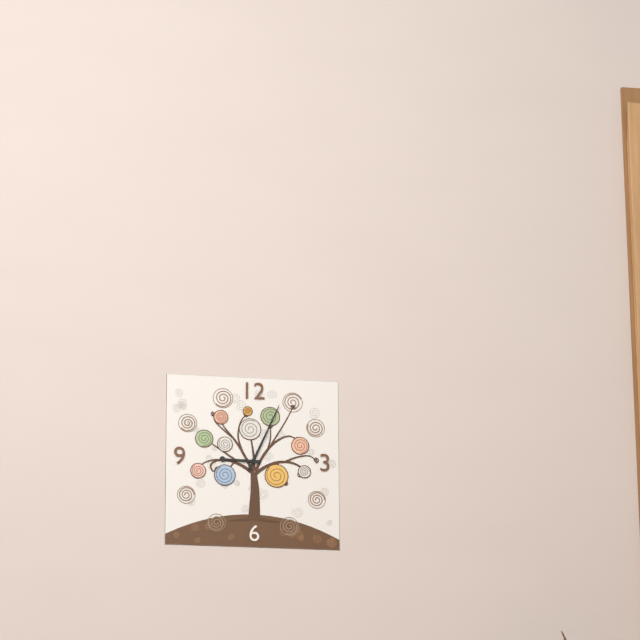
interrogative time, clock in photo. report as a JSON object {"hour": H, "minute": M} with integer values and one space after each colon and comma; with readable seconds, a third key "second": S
{"hour": 9, "minute": 4}
